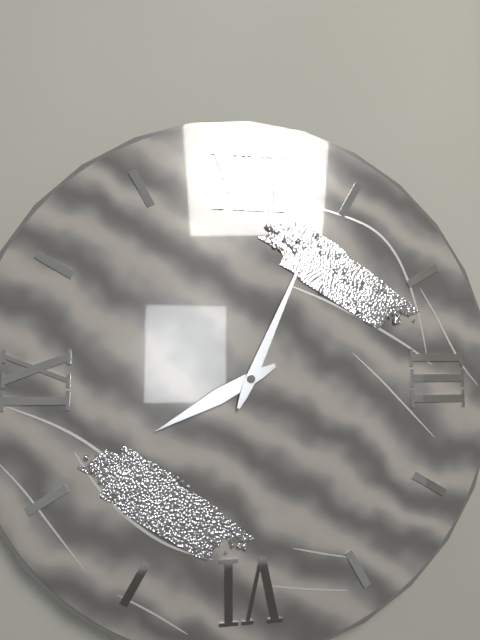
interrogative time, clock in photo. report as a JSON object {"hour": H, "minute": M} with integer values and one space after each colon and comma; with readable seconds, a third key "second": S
{"hour": 8, "minute": 4}
